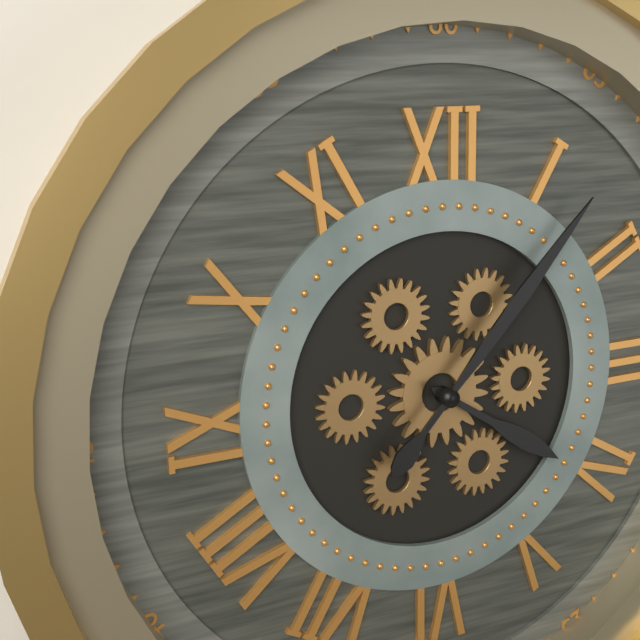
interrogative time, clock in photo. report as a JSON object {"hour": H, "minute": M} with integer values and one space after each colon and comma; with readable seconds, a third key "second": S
{"hour": 4, "minute": 7}
